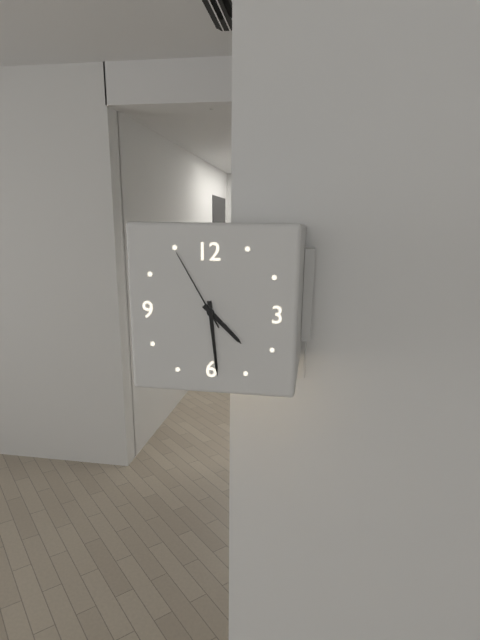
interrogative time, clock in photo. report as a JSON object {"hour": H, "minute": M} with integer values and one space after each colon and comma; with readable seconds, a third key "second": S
{"hour": 4, "minute": 29, "second": 55}
